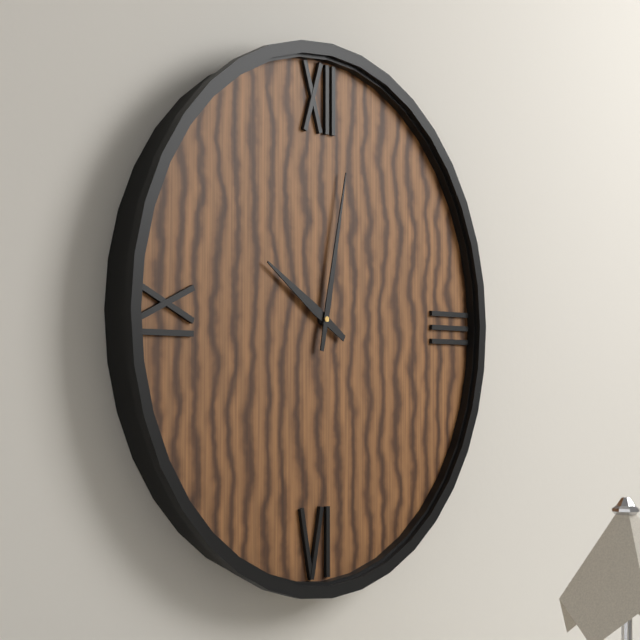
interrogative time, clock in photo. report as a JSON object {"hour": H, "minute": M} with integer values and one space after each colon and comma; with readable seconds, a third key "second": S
{"hour": 10, "minute": 2}
